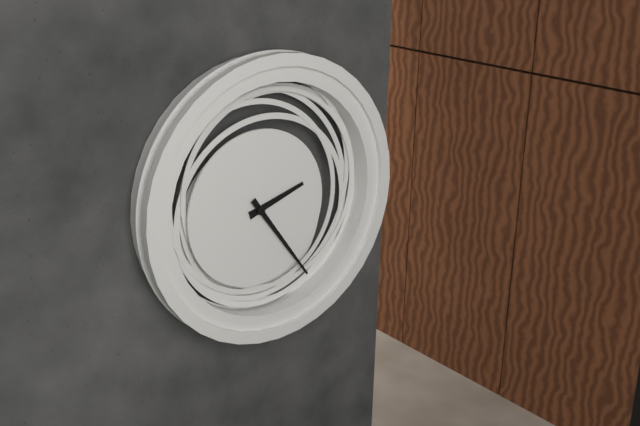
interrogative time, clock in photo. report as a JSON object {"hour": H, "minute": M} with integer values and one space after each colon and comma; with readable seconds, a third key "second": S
{"hour": 2, "minute": 24}
